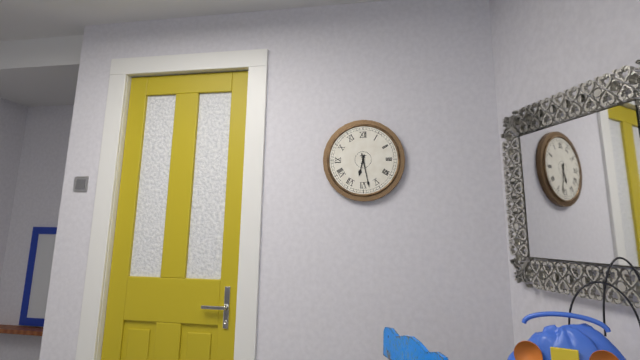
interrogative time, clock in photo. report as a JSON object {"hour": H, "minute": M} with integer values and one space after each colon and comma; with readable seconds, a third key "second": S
{"hour": 6, "minute": 28}
